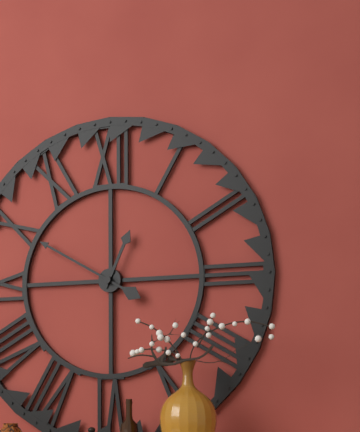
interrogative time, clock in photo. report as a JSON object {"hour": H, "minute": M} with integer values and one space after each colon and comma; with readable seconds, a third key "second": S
{"hour": 12, "minute": 50}
